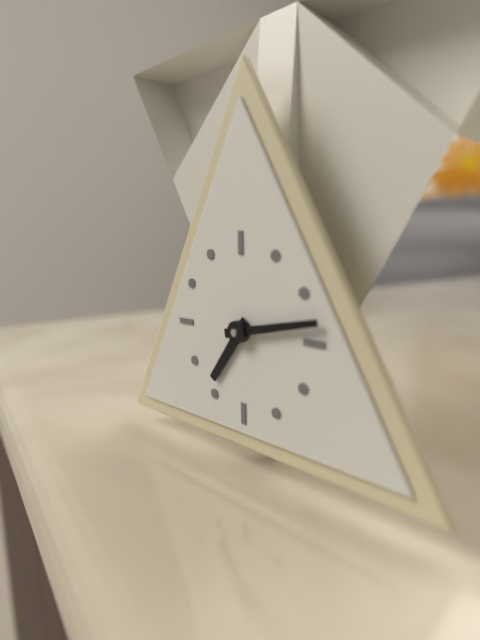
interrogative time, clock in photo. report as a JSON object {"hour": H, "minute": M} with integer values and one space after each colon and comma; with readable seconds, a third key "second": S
{"hour": 7, "minute": 13}
